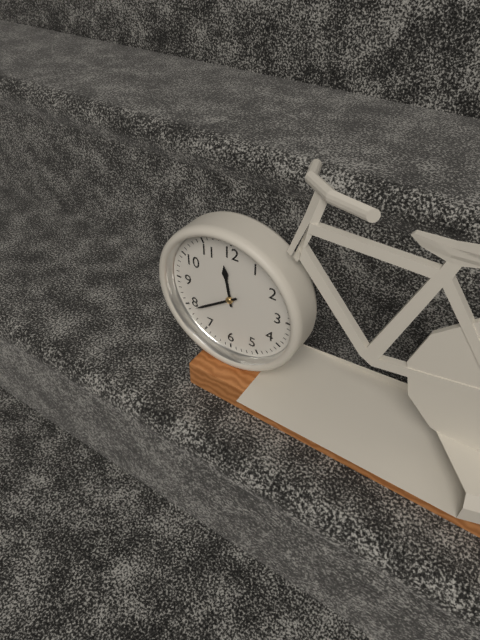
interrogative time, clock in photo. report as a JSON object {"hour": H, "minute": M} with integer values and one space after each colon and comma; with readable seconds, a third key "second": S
{"hour": 11, "minute": 39}
